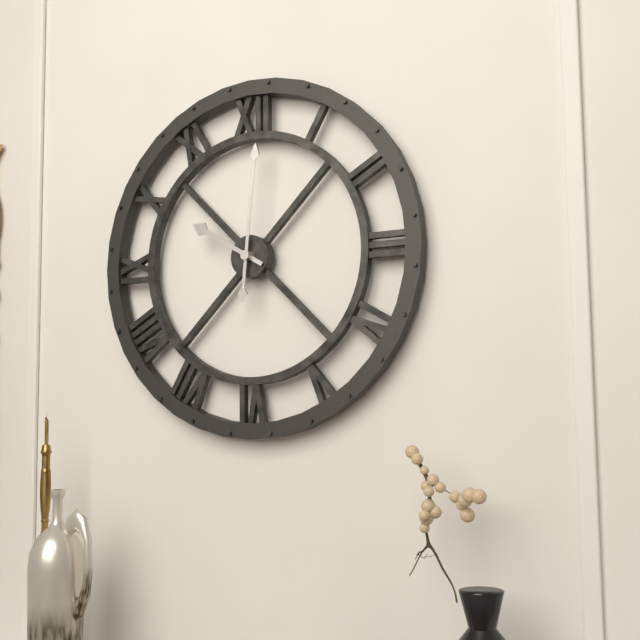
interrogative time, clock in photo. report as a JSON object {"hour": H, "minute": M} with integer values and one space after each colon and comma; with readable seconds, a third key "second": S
{"hour": 10, "minute": 1}
